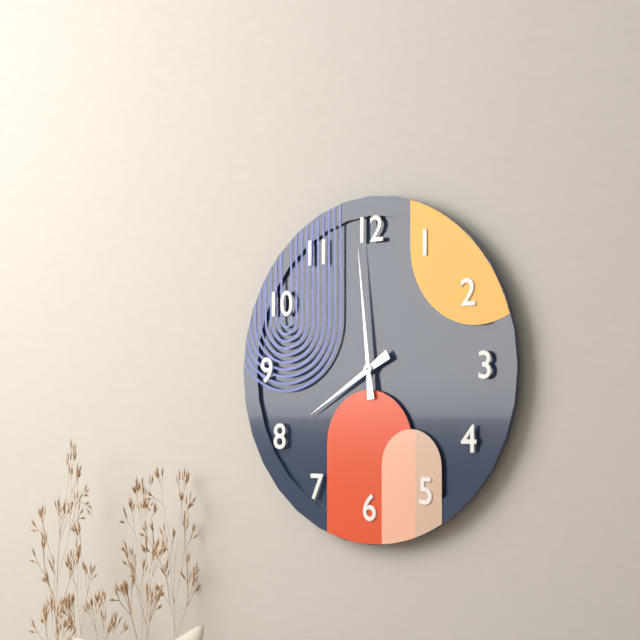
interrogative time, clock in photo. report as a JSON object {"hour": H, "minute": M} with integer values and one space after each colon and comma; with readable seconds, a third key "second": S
{"hour": 7, "minute": 59}
